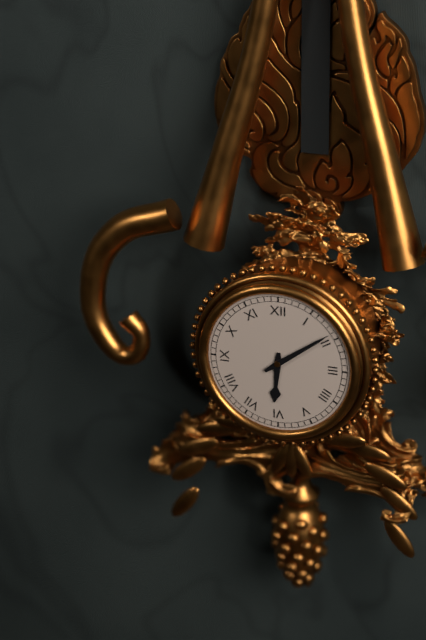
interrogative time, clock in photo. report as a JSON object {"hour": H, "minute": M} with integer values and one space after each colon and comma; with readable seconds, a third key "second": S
{"hour": 6, "minute": 9}
